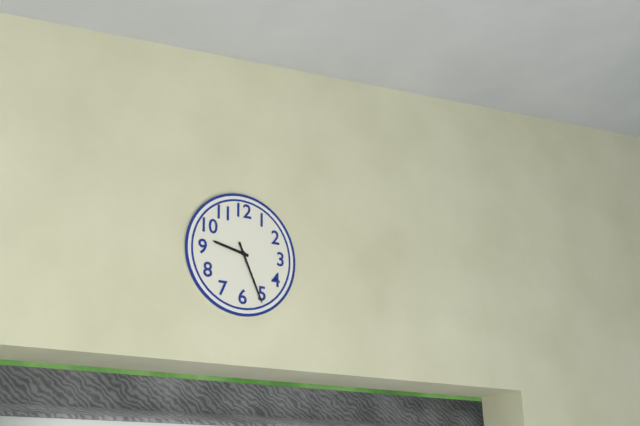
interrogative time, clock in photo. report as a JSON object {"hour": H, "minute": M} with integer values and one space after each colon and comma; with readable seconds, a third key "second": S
{"hour": 9, "minute": 26}
